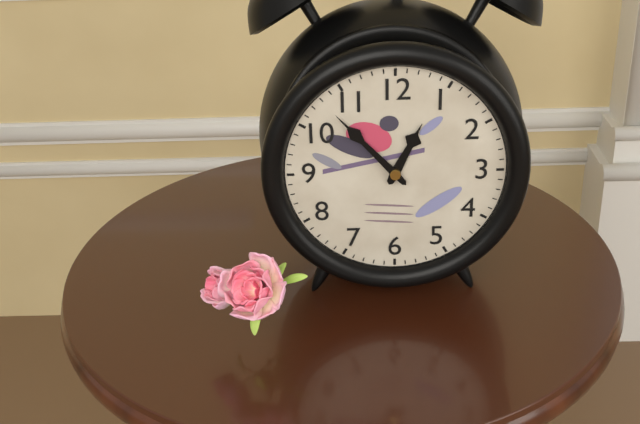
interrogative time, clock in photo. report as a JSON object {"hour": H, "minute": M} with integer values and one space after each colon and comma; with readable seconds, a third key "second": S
{"hour": 12, "minute": 53}
